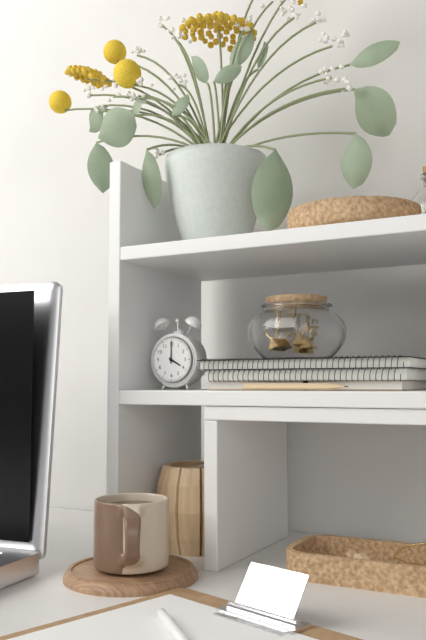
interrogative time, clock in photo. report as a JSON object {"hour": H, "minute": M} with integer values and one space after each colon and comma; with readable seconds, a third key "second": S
{"hour": 4, "minute": 0}
